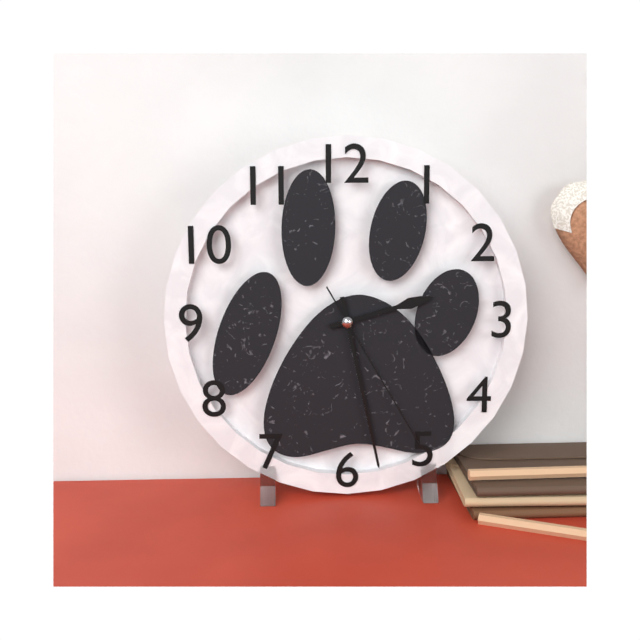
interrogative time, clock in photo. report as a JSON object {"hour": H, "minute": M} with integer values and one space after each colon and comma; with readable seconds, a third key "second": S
{"hour": 2, "minute": 28, "second": 25}
